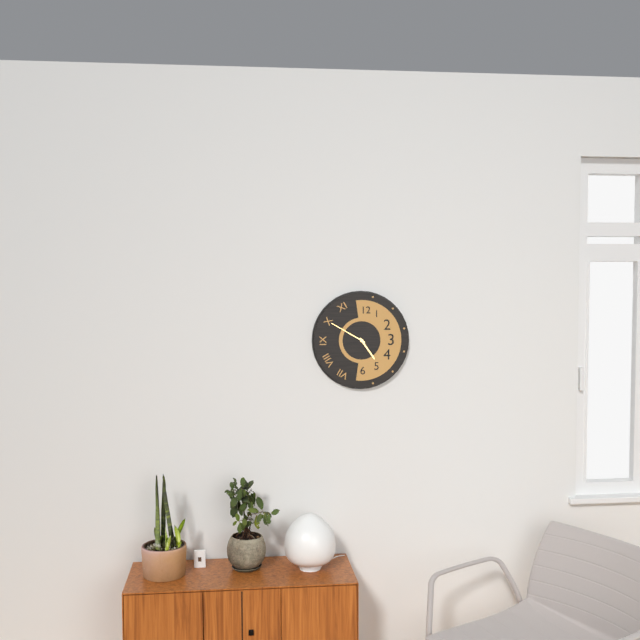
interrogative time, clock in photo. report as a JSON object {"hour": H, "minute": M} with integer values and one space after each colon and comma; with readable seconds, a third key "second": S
{"hour": 4, "minute": 50}
